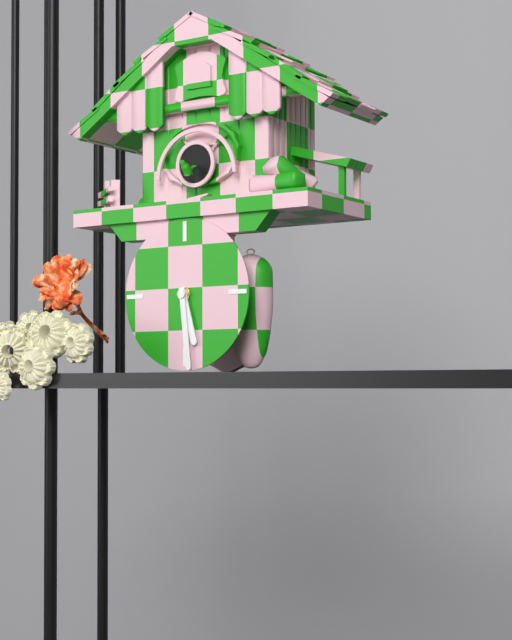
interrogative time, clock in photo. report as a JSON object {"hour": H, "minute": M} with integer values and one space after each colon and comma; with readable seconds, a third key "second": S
{"hour": 5, "minute": 29}
